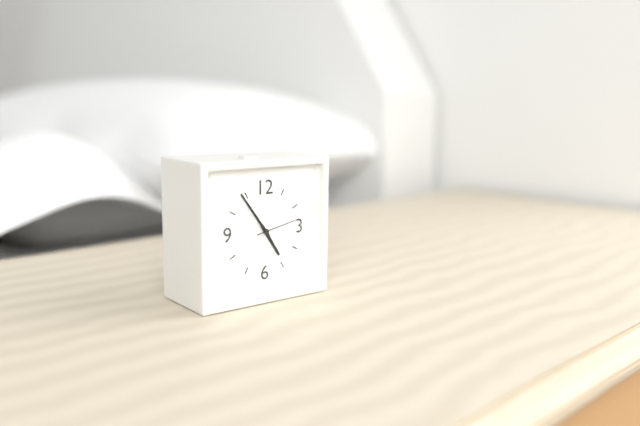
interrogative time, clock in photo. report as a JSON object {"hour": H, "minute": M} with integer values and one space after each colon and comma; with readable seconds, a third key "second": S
{"hour": 4, "minute": 54}
